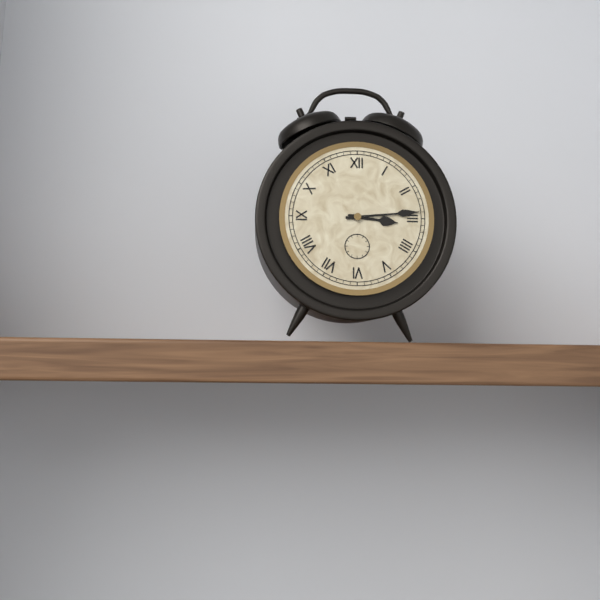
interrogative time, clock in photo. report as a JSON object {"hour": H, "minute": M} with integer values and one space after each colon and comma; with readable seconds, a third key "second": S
{"hour": 3, "minute": 14}
